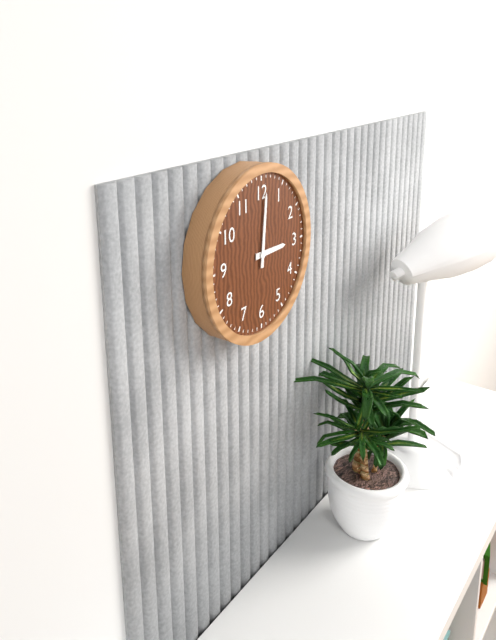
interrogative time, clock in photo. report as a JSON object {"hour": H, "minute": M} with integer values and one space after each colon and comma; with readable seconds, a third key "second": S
{"hour": 3, "minute": 1}
